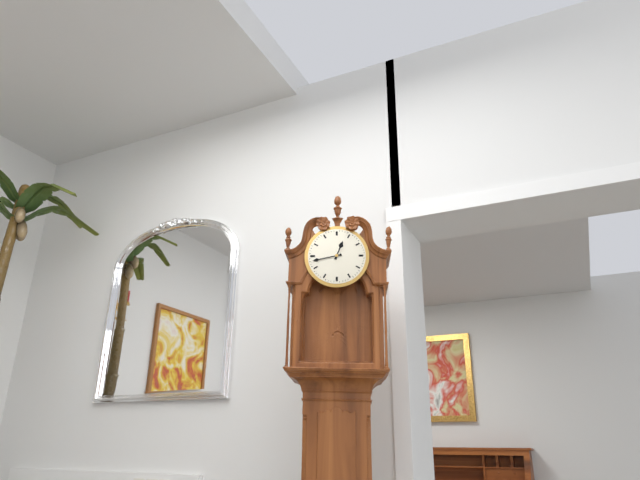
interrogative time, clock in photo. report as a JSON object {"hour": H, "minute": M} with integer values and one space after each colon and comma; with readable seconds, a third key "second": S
{"hour": 12, "minute": 43}
